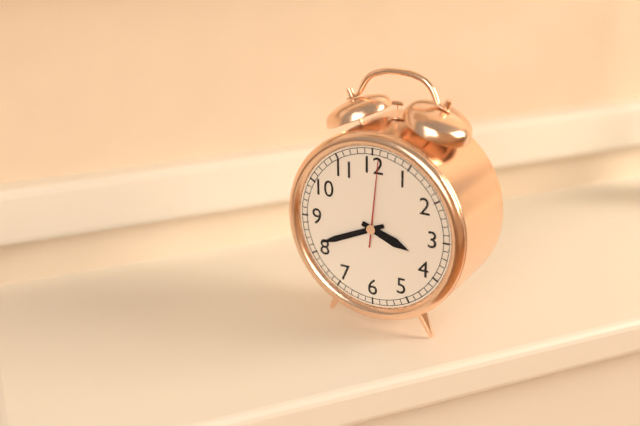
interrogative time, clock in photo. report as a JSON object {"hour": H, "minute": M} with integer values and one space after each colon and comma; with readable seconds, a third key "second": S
{"hour": 3, "minute": 41, "second": 1}
